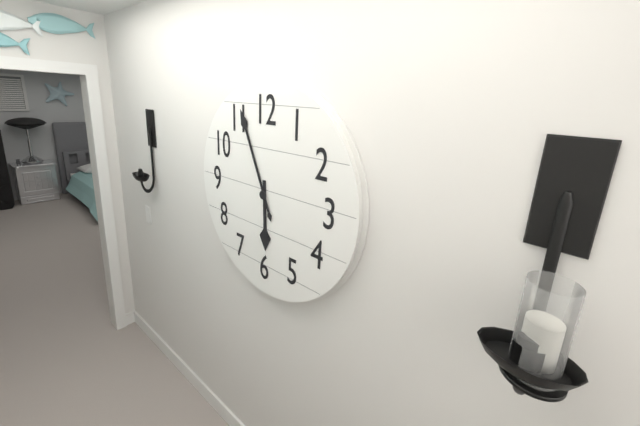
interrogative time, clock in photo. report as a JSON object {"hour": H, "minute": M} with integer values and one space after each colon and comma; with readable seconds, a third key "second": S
{"hour": 5, "minute": 56}
